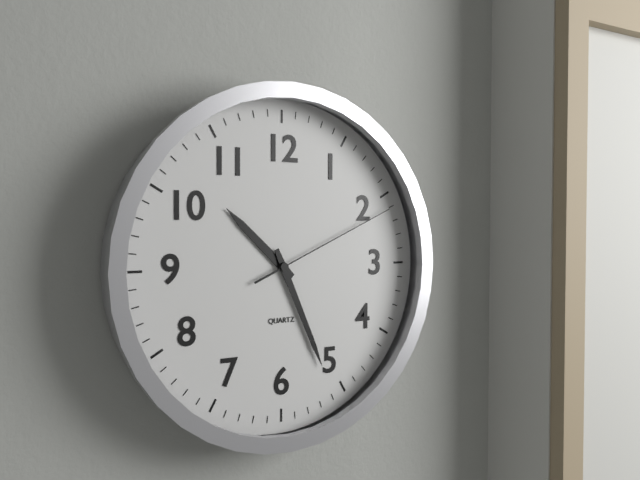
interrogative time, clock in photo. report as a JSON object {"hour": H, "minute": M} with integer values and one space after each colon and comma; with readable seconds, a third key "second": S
{"hour": 10, "minute": 26, "second": 11}
